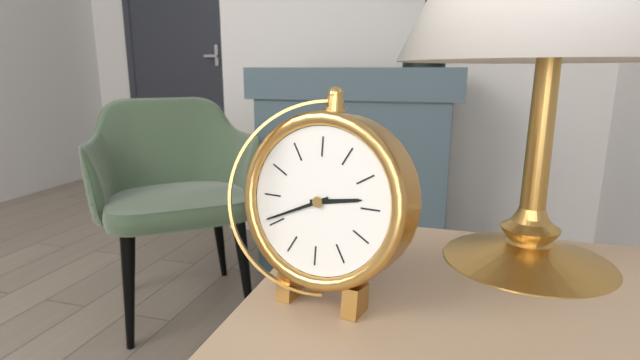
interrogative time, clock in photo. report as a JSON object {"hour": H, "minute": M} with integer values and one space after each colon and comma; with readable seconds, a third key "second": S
{"hour": 2, "minute": 41}
